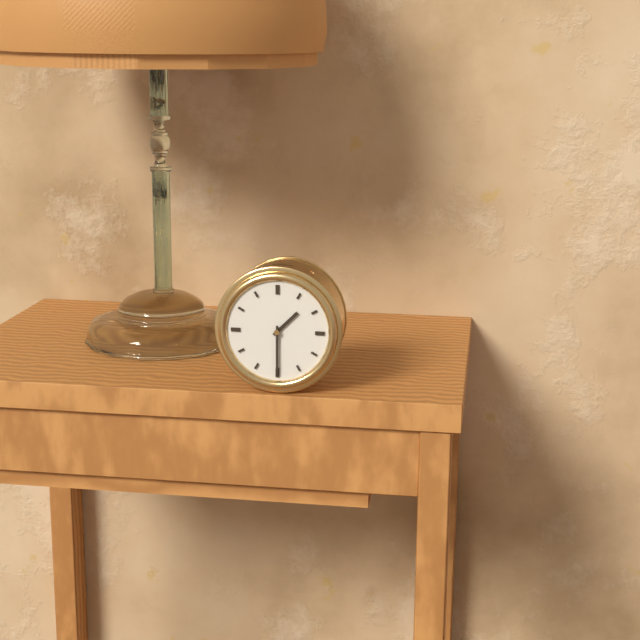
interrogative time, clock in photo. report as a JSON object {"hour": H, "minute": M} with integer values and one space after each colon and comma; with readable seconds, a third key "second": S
{"hour": 1, "minute": 30}
